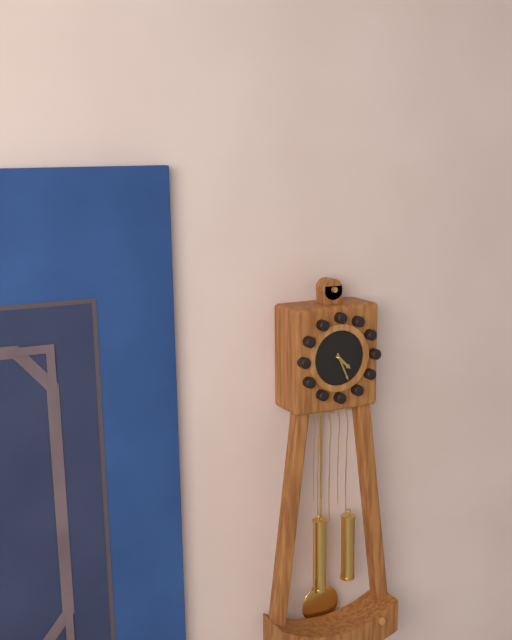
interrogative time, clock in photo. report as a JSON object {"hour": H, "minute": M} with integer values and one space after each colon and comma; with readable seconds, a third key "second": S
{"hour": 4, "minute": 26}
